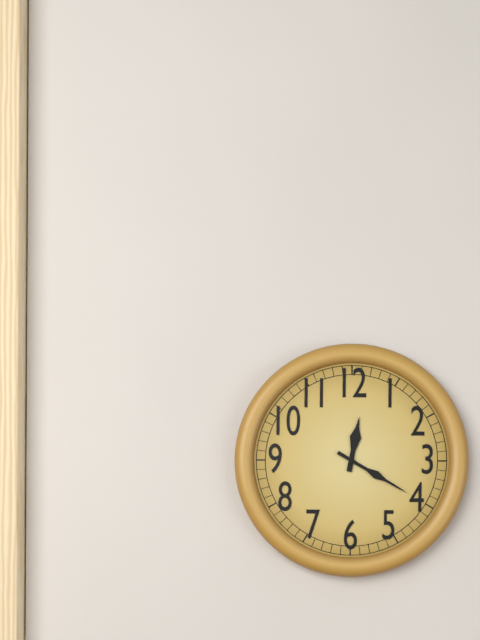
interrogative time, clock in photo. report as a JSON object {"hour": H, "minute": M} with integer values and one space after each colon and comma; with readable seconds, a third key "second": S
{"hour": 12, "minute": 20}
